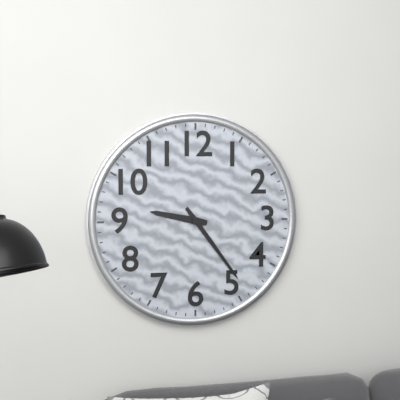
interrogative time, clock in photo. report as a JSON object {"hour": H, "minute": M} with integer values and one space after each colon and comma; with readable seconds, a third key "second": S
{"hour": 9, "minute": 24}
